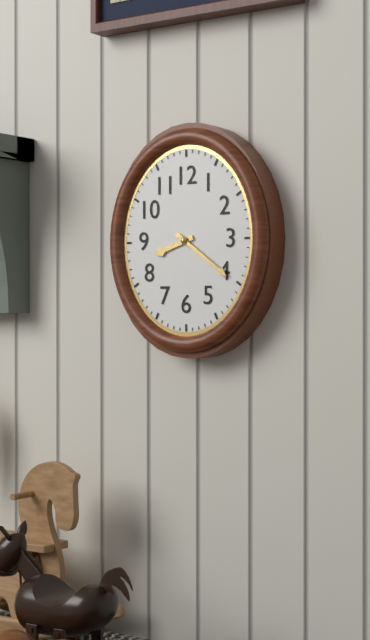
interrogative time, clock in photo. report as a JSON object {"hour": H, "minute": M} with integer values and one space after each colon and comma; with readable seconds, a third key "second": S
{"hour": 8, "minute": 21}
